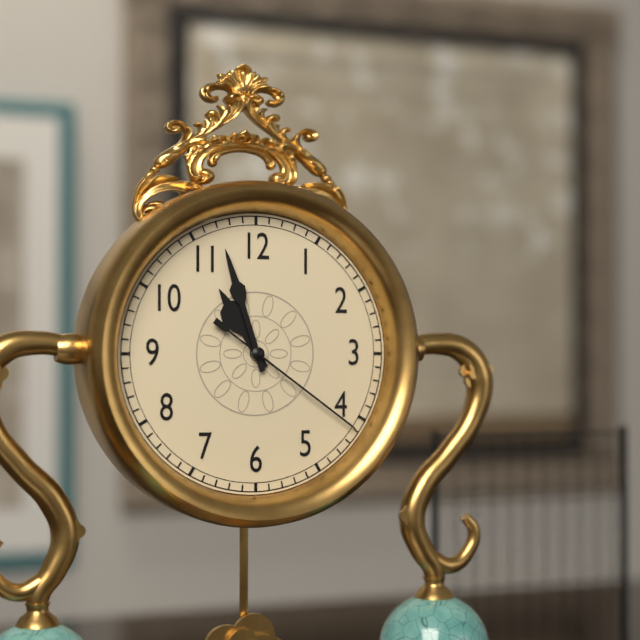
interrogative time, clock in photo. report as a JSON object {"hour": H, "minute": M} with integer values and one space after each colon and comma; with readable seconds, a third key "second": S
{"hour": 10, "minute": 57, "second": 21}
